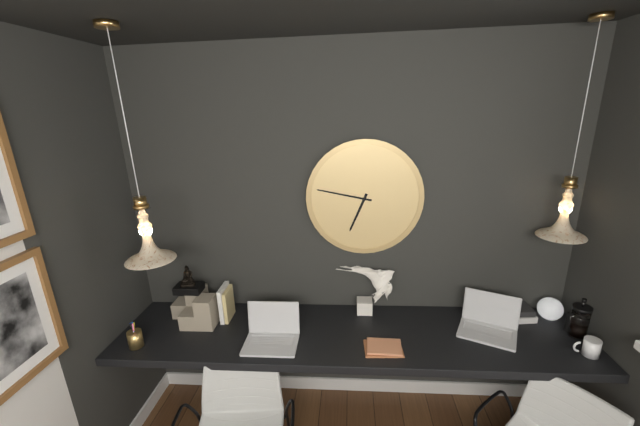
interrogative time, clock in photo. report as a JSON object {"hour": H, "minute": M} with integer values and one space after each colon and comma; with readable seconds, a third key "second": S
{"hour": 6, "minute": 47}
